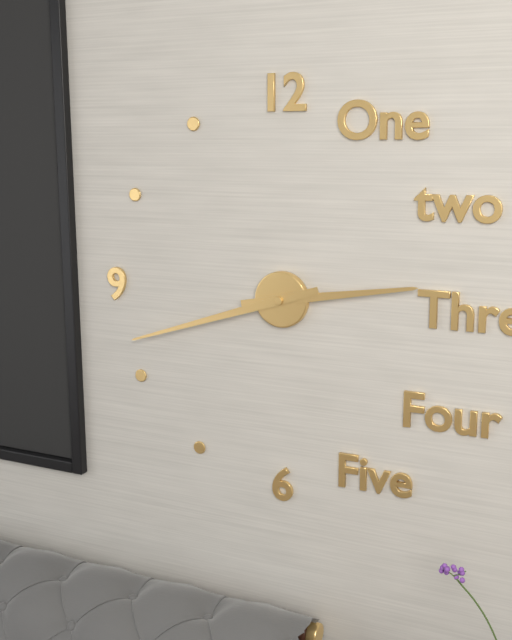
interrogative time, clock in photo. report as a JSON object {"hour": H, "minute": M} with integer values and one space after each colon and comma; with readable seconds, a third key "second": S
{"hour": 2, "minute": 42}
